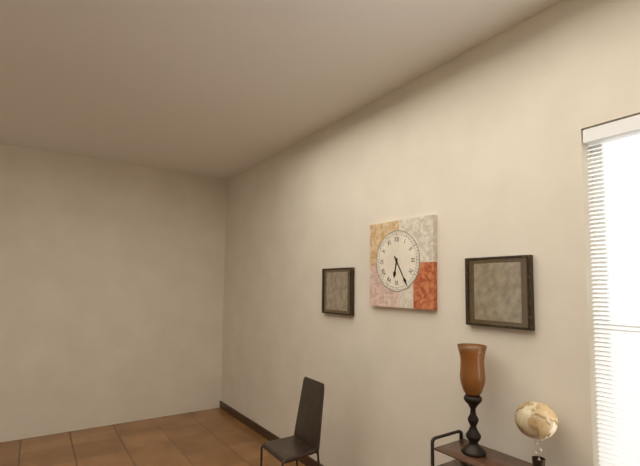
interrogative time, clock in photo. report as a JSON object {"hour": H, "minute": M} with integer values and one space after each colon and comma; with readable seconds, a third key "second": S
{"hour": 6, "minute": 25}
